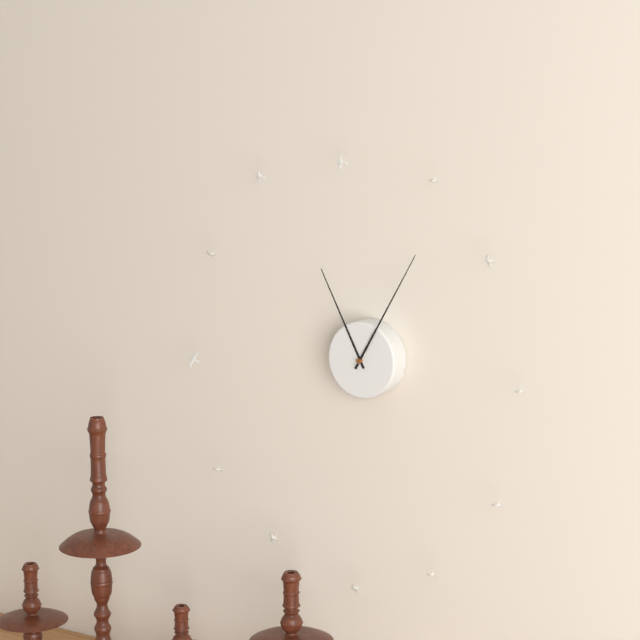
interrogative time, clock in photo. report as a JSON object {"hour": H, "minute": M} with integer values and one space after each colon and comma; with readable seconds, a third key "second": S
{"hour": 11, "minute": 5}
